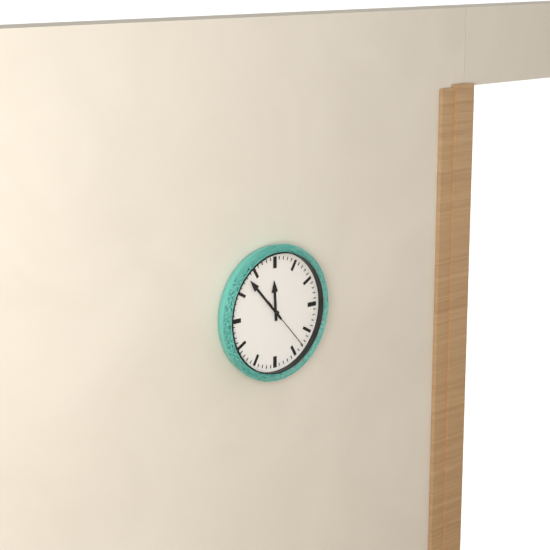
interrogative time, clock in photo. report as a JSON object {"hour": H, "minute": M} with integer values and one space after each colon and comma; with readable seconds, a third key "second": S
{"hour": 11, "minute": 53, "second": 23}
